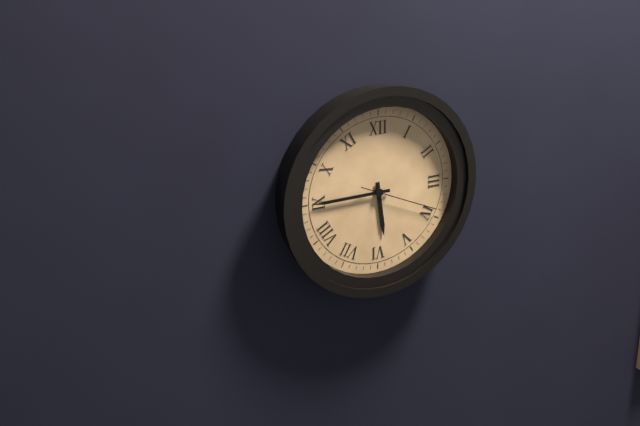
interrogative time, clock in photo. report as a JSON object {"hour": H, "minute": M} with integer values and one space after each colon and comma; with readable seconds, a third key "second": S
{"hour": 5, "minute": 45, "second": 19}
